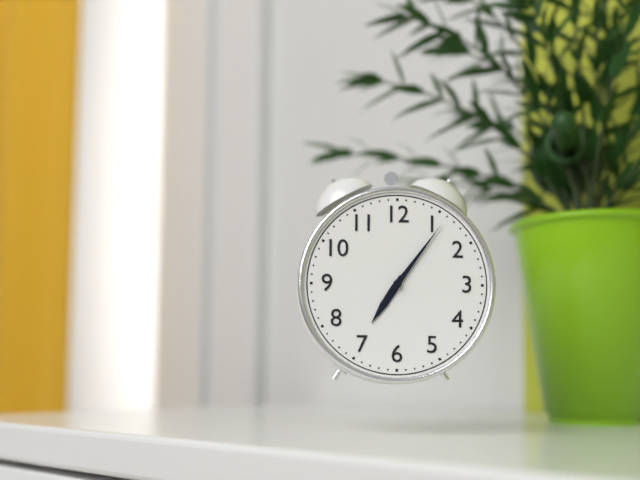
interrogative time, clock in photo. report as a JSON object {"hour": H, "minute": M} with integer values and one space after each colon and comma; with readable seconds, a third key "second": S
{"hour": 7, "minute": 6}
